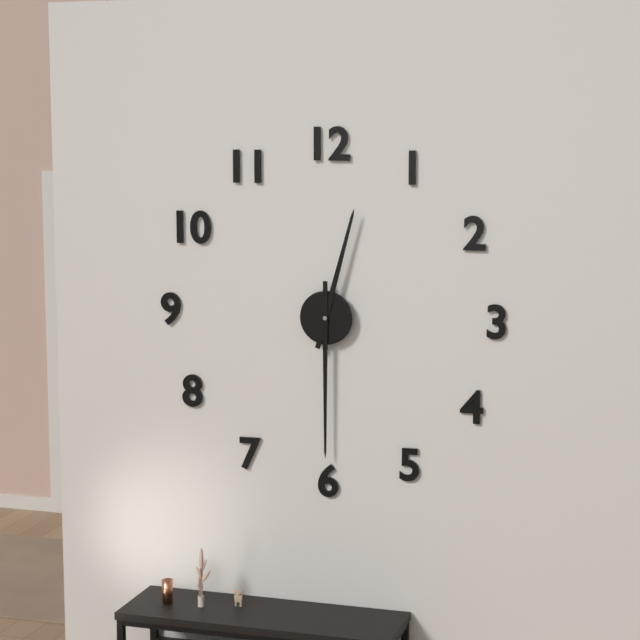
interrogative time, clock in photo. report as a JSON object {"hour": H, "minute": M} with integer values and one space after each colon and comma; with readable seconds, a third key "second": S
{"hour": 12, "minute": 30}
